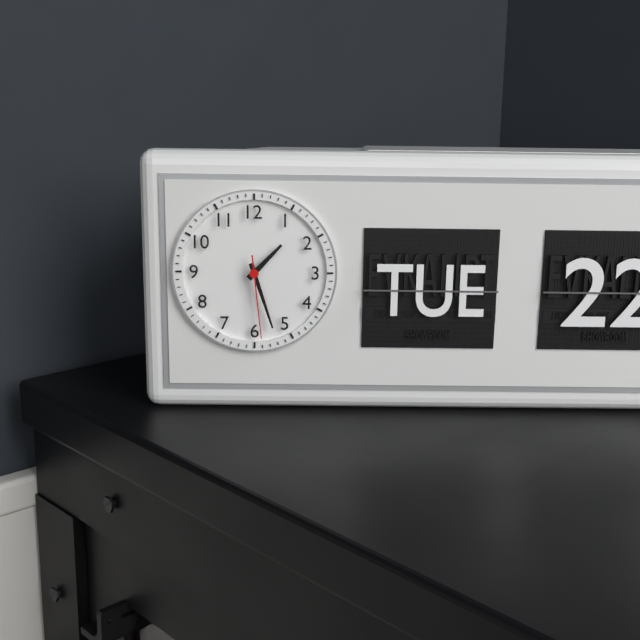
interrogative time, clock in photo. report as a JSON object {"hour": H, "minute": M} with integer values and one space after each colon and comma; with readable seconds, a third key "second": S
{"hour": 1, "minute": 27, "second": 29}
